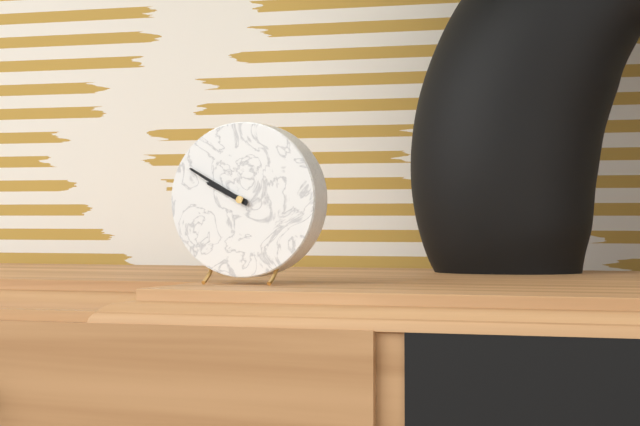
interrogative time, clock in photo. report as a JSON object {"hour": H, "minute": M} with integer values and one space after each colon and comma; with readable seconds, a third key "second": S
{"hour": 9, "minute": 50}
